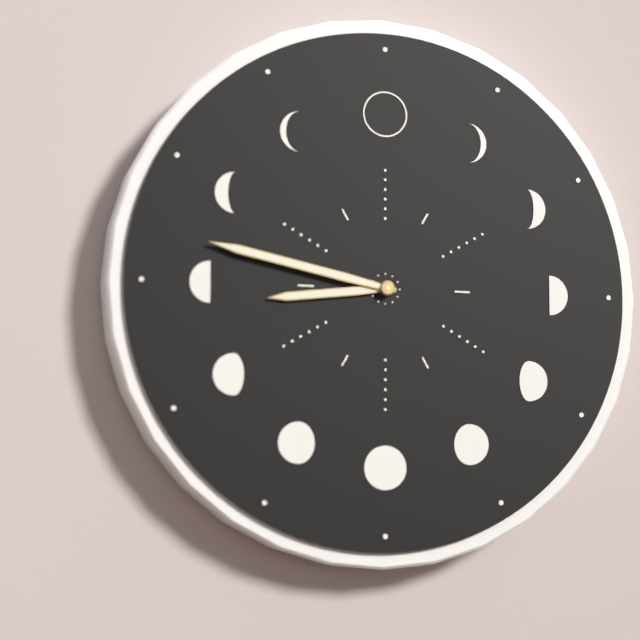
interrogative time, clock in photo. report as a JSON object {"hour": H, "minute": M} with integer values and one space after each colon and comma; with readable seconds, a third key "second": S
{"hour": 8, "minute": 47}
